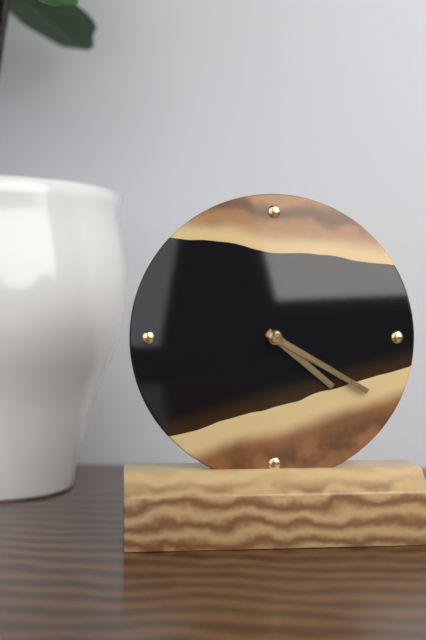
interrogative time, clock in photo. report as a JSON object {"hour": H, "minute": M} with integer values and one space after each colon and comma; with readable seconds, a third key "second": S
{"hour": 4, "minute": 20}
